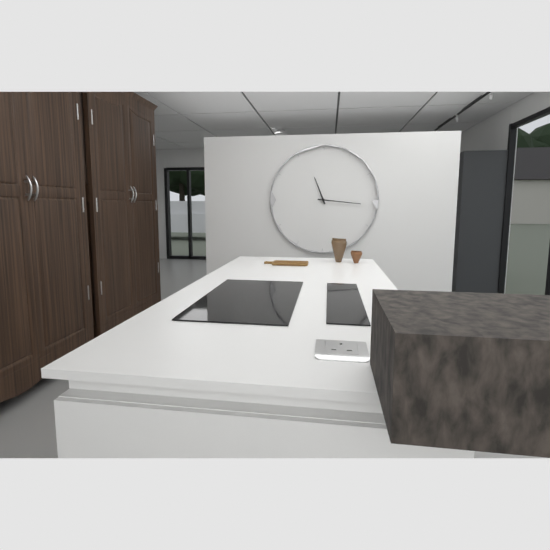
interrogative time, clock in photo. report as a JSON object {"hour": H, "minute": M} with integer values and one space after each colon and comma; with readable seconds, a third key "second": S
{"hour": 11, "minute": 16}
